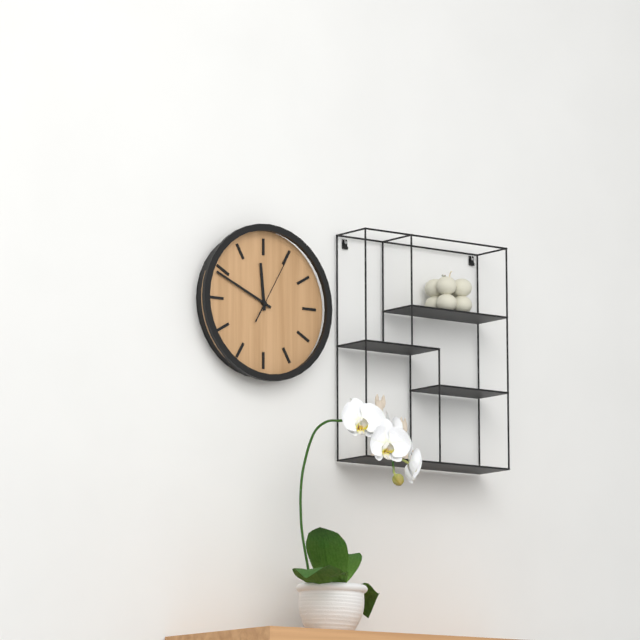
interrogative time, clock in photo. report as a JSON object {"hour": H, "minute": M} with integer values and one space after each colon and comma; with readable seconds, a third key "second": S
{"hour": 11, "minute": 49, "second": 5}
